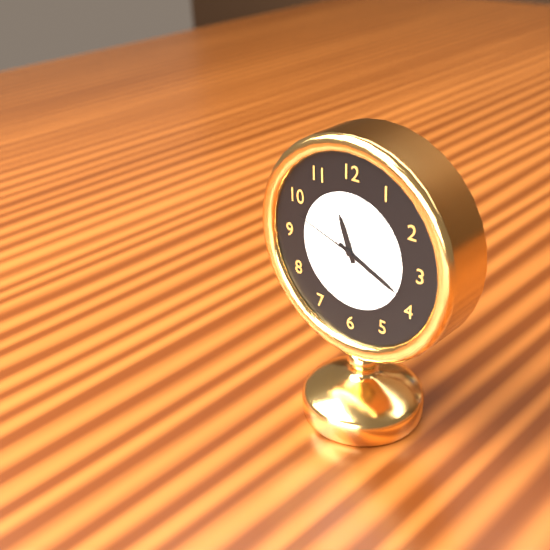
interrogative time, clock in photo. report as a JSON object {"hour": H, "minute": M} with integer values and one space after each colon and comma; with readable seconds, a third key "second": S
{"hour": 11, "minute": 19, "second": 48}
